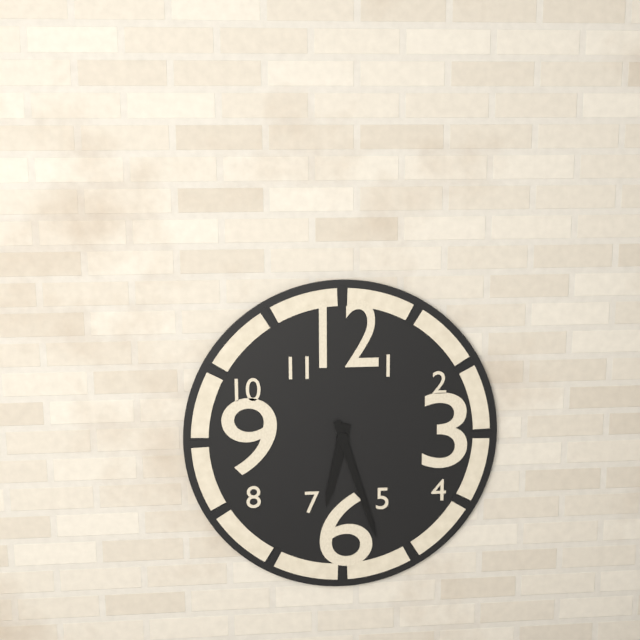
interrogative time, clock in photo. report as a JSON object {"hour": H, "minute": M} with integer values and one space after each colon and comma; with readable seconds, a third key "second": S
{"hour": 6, "minute": 27}
